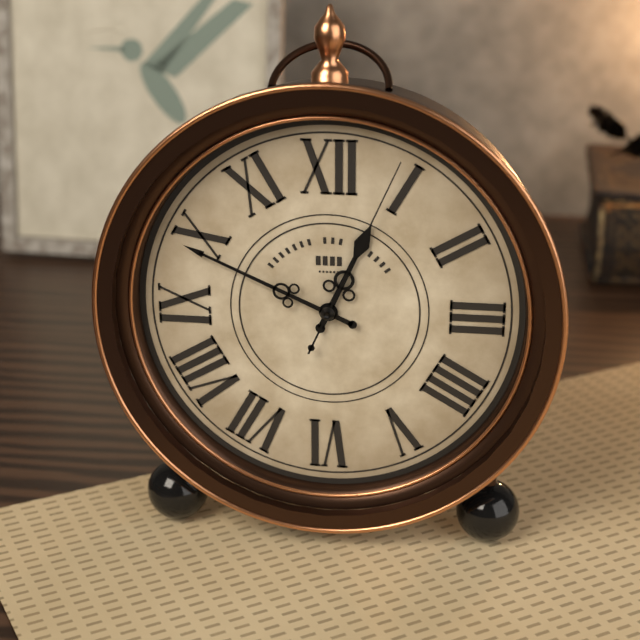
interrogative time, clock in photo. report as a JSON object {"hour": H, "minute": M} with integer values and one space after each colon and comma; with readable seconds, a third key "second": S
{"hour": 12, "minute": 49, "second": 4}
